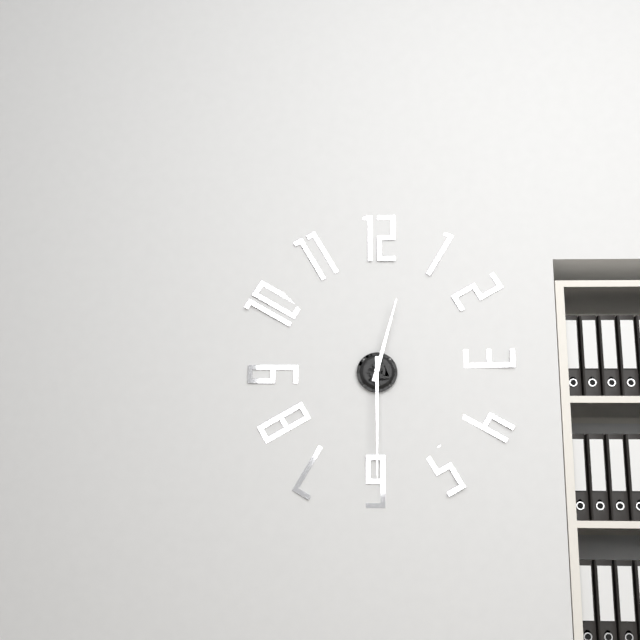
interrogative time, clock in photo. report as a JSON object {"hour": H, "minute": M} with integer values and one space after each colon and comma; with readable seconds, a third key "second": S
{"hour": 12, "minute": 30}
